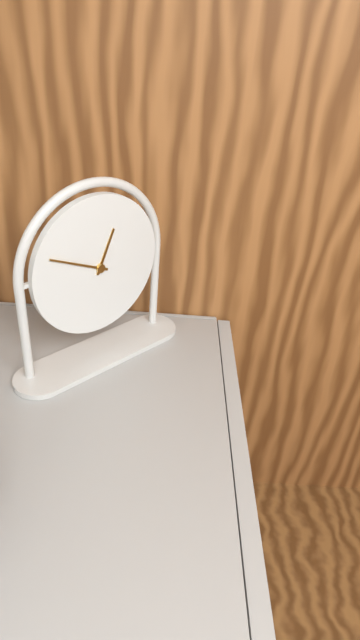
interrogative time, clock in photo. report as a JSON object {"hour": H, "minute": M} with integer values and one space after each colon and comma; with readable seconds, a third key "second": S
{"hour": 12, "minute": 49}
